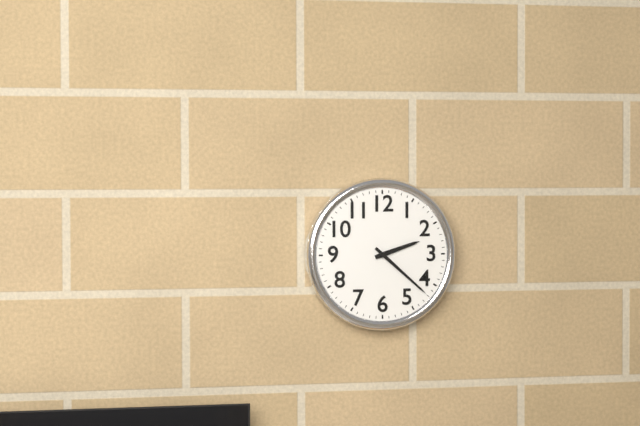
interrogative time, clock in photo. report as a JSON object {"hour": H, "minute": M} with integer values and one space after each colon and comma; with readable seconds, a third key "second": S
{"hour": 2, "minute": 22}
